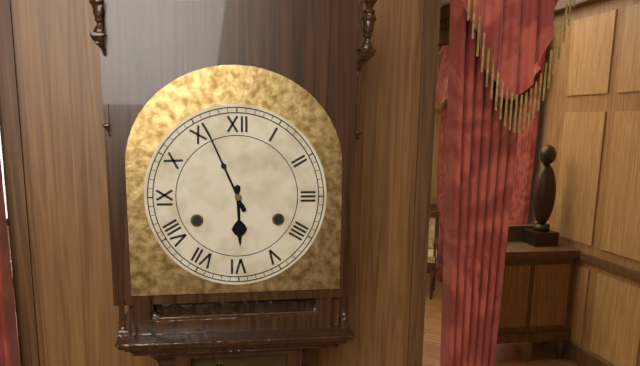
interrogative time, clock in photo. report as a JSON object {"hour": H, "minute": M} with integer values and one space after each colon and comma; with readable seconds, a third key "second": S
{"hour": 5, "minute": 56}
